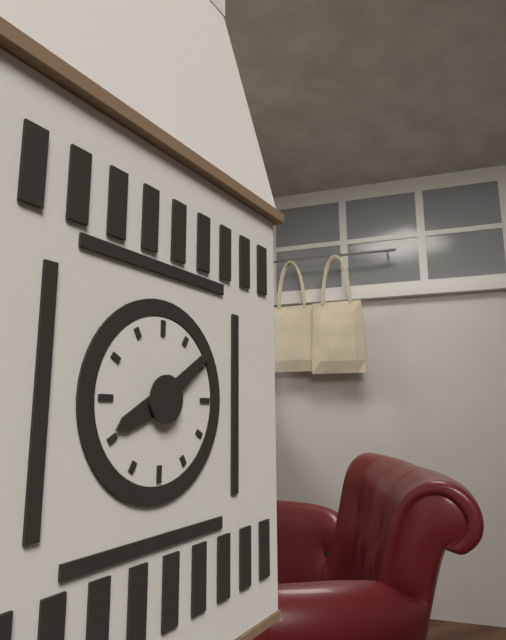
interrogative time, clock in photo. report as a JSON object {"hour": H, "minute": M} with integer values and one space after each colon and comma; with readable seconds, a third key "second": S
{"hour": 8, "minute": 9}
